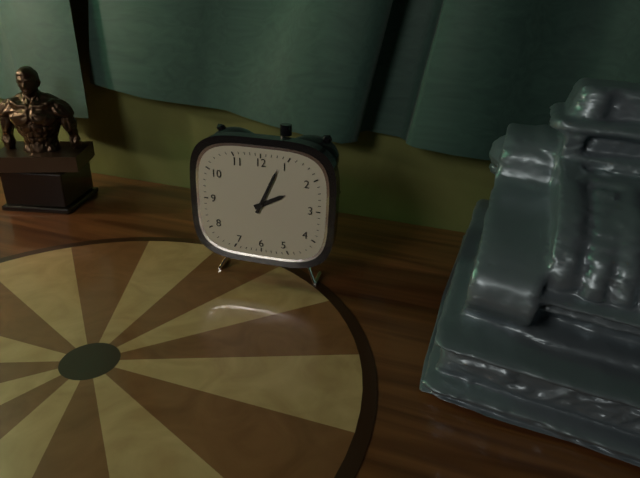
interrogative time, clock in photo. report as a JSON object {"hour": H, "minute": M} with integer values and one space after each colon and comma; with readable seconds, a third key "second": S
{"hour": 2, "minute": 4}
